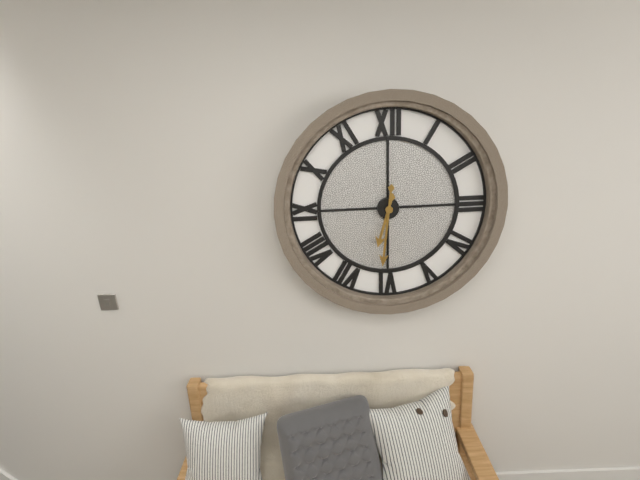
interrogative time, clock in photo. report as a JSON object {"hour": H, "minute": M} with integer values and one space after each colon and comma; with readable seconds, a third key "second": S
{"hour": 6, "minute": 31}
